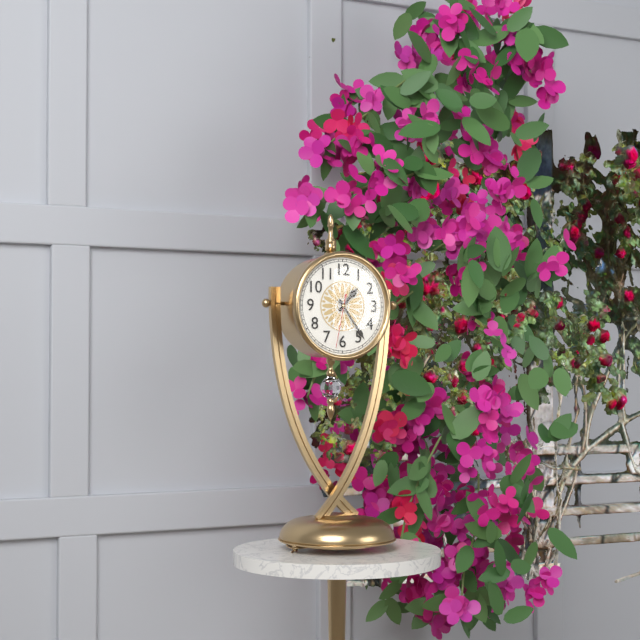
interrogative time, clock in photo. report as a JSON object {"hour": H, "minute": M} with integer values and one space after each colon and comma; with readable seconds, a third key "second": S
{"hour": 1, "minute": 24, "second": 32}
